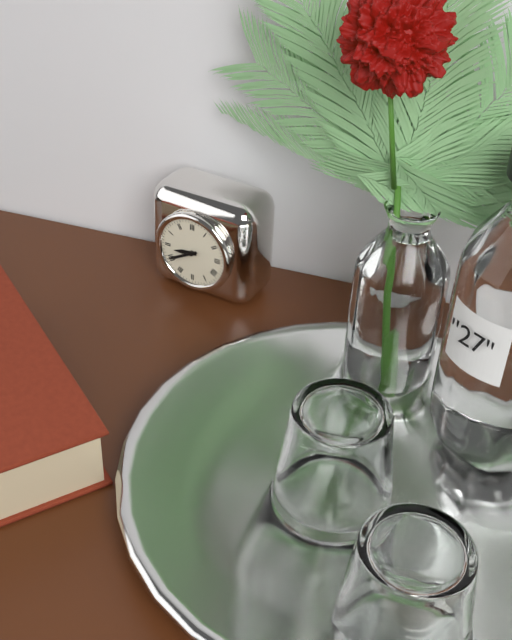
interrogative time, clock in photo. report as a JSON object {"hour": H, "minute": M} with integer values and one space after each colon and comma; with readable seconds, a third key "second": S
{"hour": 8, "minute": 40}
